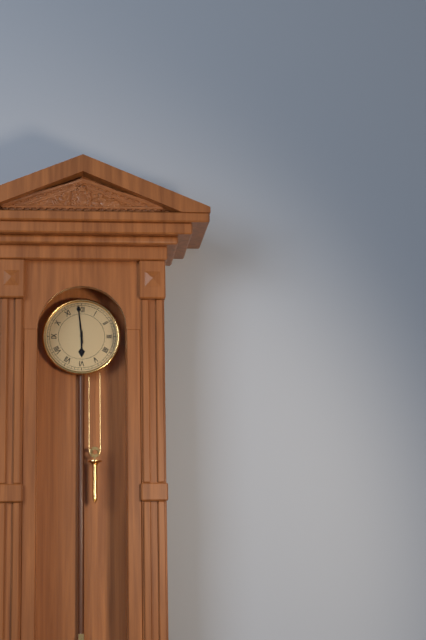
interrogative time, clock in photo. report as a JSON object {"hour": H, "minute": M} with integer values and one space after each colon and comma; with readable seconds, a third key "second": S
{"hour": 5, "minute": 59}
